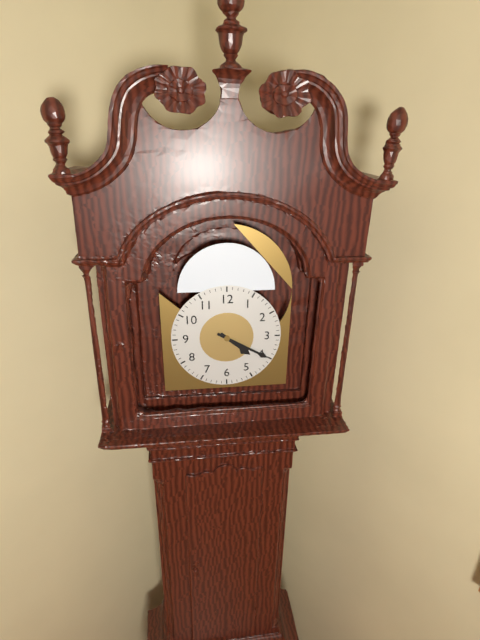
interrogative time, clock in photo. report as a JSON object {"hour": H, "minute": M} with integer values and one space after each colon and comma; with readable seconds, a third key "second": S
{"hour": 4, "minute": 20}
